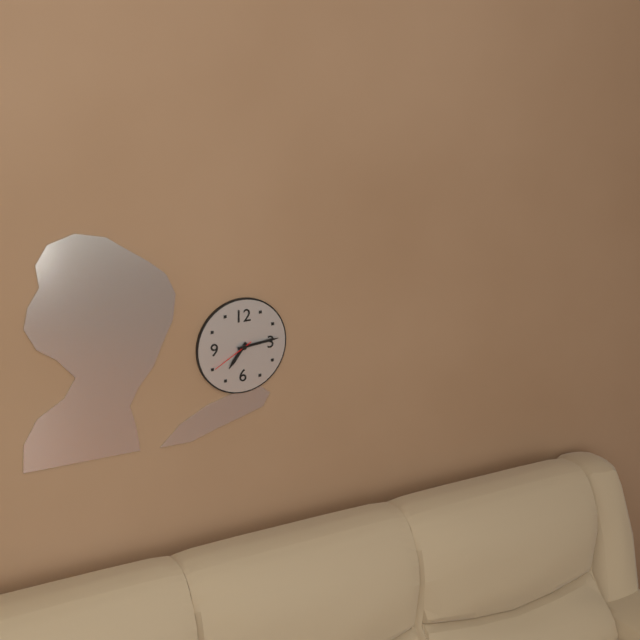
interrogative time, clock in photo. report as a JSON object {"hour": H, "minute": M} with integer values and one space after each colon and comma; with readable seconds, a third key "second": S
{"hour": 7, "minute": 14}
